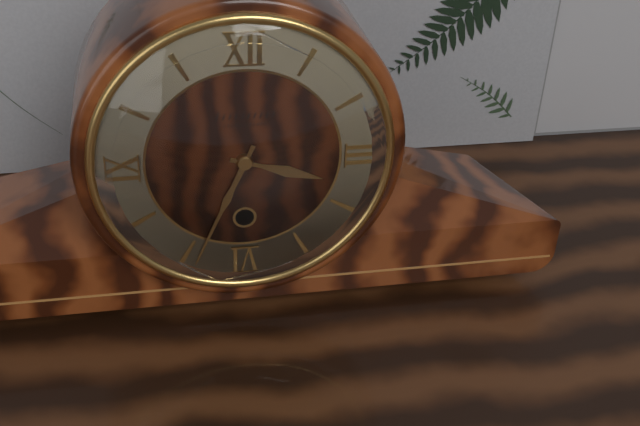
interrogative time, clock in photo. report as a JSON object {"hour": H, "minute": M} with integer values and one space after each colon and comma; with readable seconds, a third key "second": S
{"hour": 3, "minute": 34}
